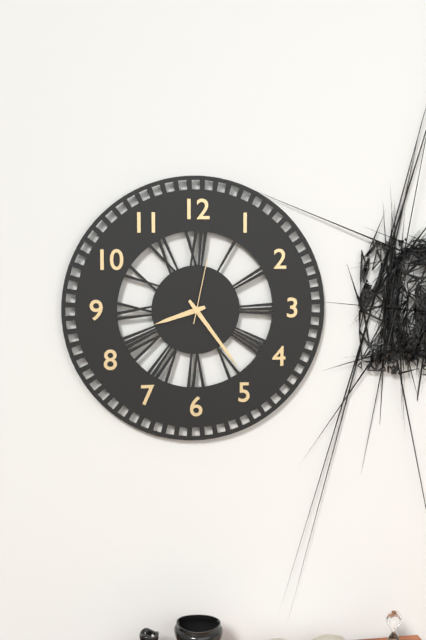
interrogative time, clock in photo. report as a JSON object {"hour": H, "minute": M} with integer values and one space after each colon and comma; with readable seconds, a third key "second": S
{"hour": 8, "minute": 24, "second": 2}
